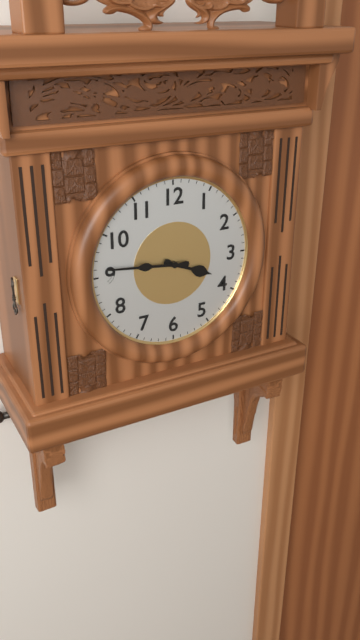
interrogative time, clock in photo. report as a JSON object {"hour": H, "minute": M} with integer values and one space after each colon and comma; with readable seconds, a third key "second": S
{"hour": 3, "minute": 46}
